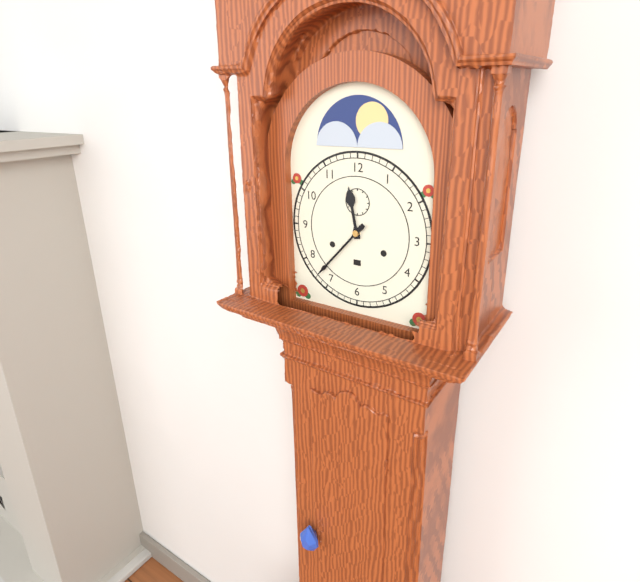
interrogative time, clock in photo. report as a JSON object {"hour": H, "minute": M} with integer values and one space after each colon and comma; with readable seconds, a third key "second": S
{"hour": 11, "minute": 37}
